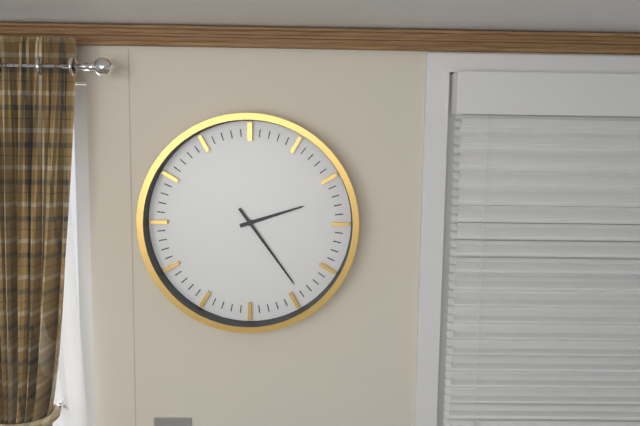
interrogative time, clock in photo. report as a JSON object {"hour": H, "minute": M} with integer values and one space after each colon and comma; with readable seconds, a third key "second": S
{"hour": 2, "minute": 24}
